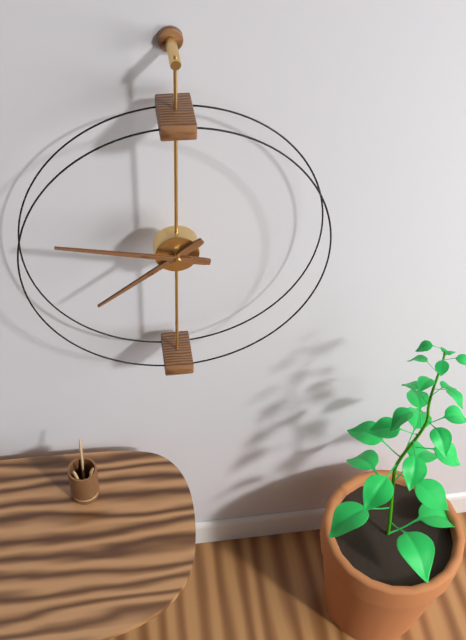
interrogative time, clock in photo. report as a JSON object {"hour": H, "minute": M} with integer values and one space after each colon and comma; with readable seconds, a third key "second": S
{"hour": 7, "minute": 47}
